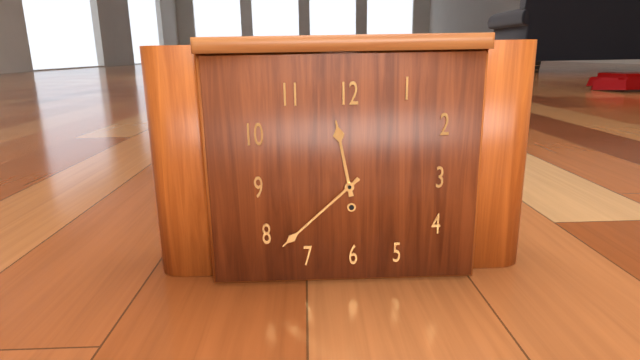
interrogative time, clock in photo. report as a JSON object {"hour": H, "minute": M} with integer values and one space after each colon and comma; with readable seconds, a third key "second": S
{"hour": 11, "minute": 38}
